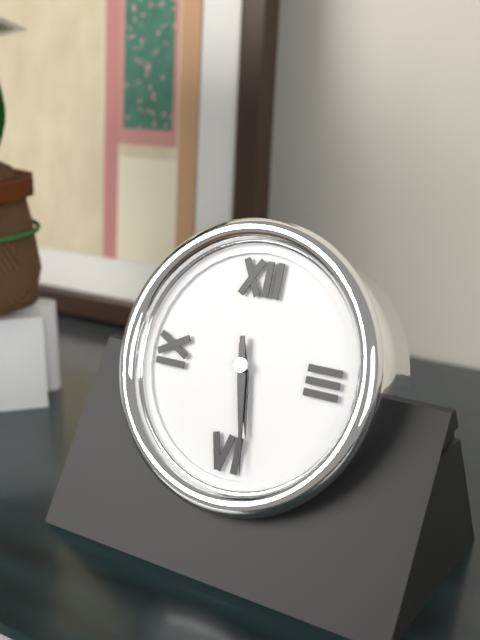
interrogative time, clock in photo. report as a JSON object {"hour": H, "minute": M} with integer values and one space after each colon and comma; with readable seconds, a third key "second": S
{"hour": 5, "minute": 28}
